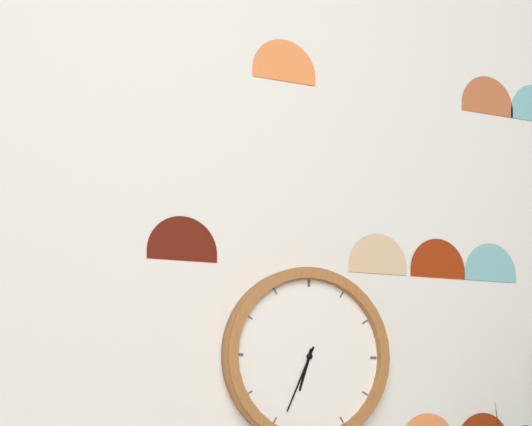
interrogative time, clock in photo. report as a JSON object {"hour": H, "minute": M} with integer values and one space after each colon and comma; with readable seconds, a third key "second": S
{"hour": 6, "minute": 34}
